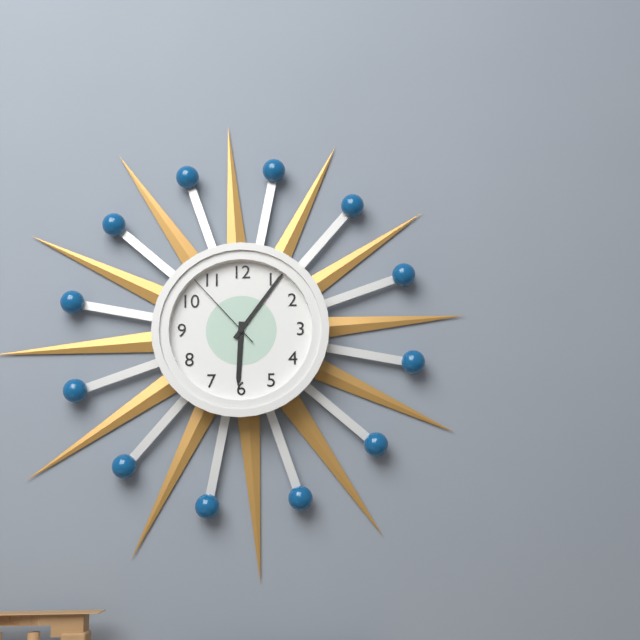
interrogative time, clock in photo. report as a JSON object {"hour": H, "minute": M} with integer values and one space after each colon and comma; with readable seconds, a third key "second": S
{"hour": 6, "minute": 6, "second": 53}
